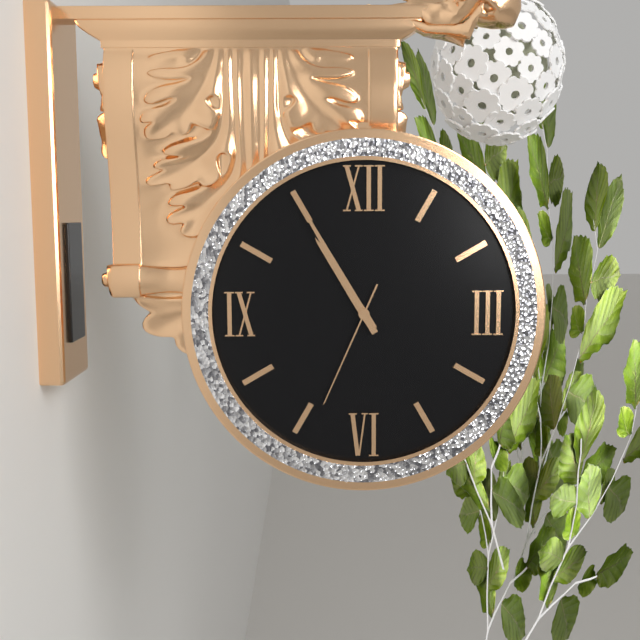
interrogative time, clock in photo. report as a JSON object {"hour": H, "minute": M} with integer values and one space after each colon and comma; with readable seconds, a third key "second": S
{"hour": 10, "minute": 55, "second": 34}
